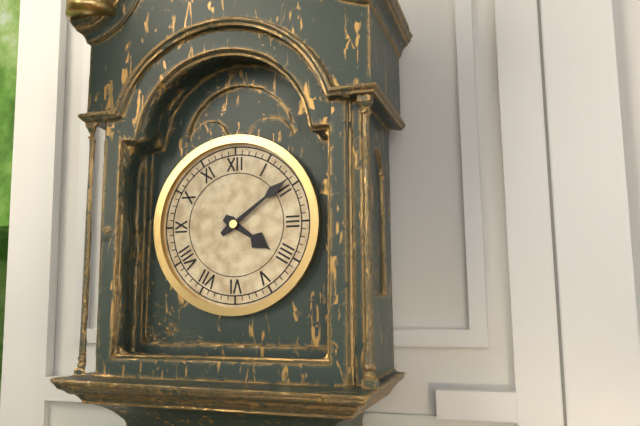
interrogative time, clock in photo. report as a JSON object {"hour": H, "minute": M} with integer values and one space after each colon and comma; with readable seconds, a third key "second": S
{"hour": 4, "minute": 9}
